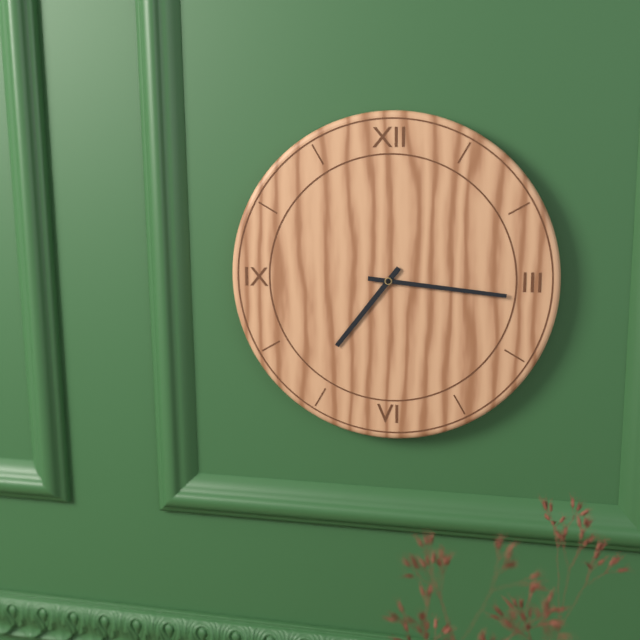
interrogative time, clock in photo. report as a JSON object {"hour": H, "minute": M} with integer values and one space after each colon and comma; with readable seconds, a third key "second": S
{"hour": 7, "minute": 16}
